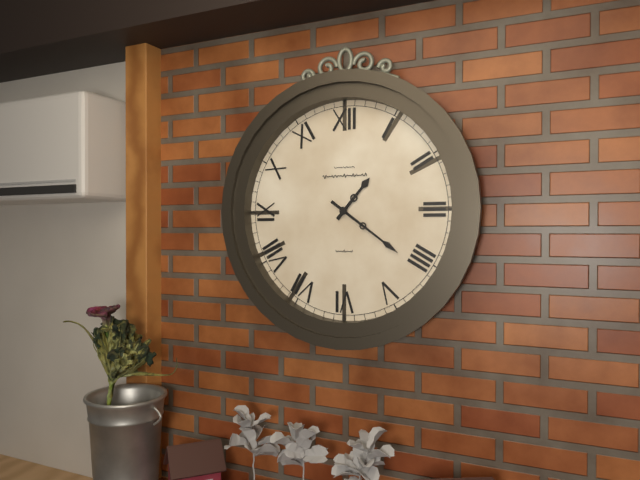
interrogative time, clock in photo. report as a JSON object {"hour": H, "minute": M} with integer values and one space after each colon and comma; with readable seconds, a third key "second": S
{"hour": 1, "minute": 21}
